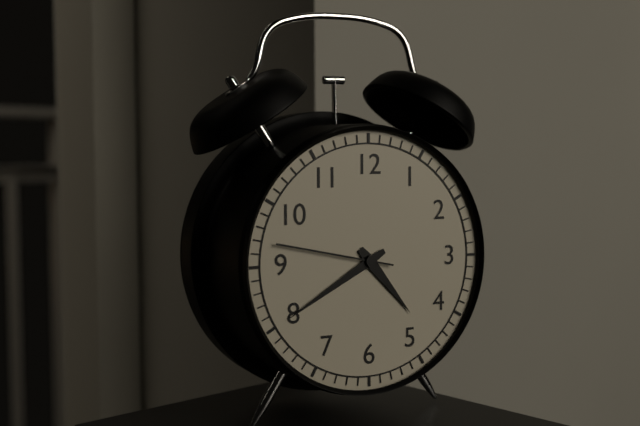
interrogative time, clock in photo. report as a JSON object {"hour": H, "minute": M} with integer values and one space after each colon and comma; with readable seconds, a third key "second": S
{"hour": 4, "minute": 40, "second": 47}
